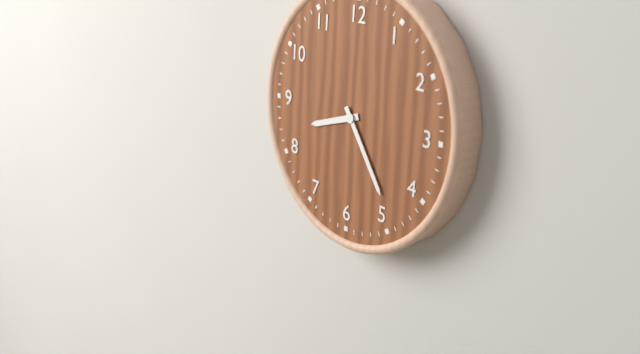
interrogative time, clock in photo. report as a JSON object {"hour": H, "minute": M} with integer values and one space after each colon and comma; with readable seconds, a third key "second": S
{"hour": 8, "minute": 24}
